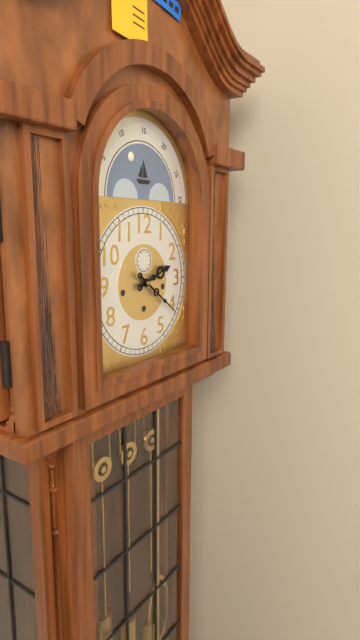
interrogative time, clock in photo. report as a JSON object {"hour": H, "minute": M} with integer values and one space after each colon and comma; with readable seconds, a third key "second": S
{"hour": 2, "minute": 21}
